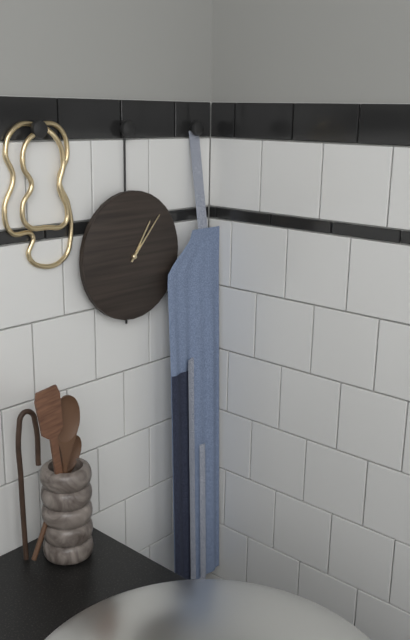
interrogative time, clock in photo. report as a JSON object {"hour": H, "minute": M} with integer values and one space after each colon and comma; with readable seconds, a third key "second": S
{"hour": 1, "minute": 7}
